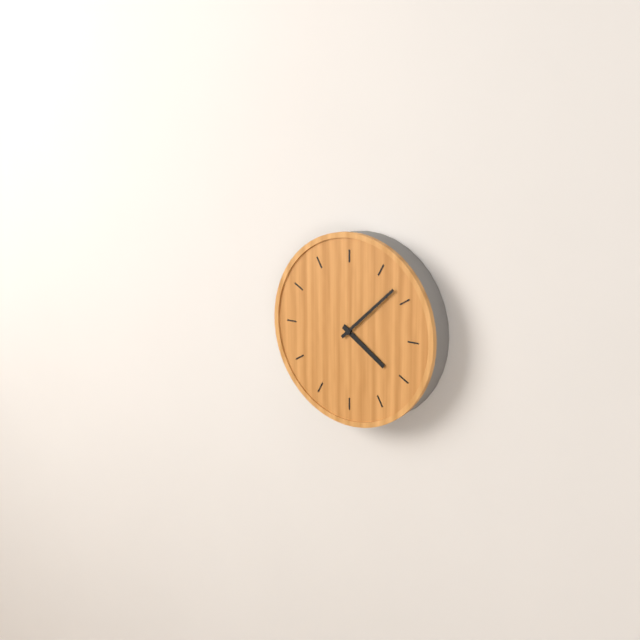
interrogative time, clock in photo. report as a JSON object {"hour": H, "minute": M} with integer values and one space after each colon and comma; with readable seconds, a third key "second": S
{"hour": 4, "minute": 8}
